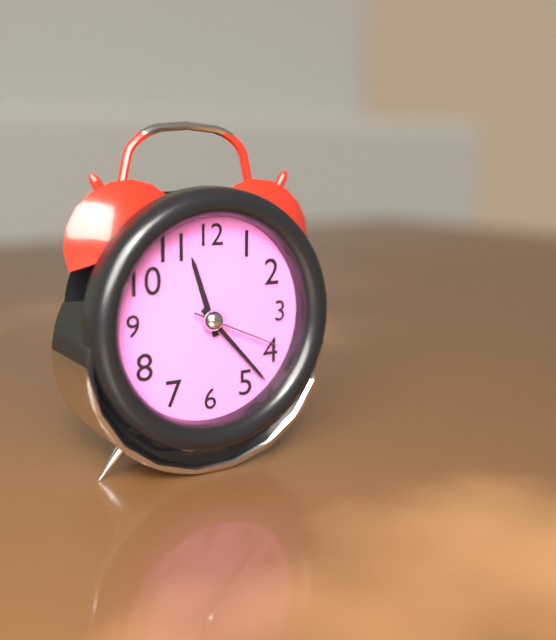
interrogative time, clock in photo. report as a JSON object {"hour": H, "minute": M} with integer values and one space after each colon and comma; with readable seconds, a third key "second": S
{"hour": 11, "minute": 23, "second": 19}
